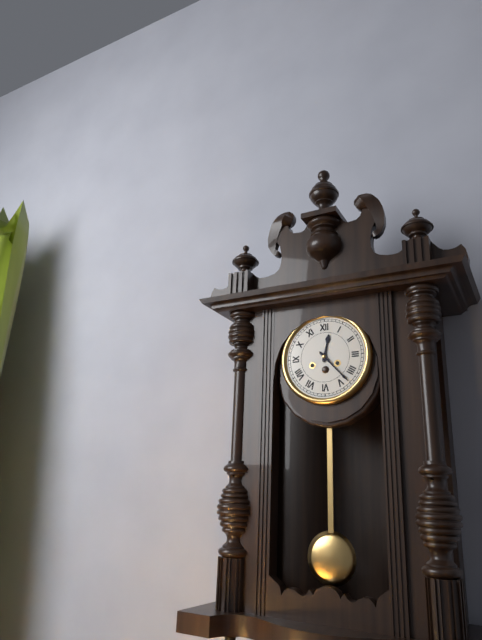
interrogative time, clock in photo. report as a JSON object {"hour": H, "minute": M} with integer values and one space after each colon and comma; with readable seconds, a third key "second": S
{"hour": 12, "minute": 23}
